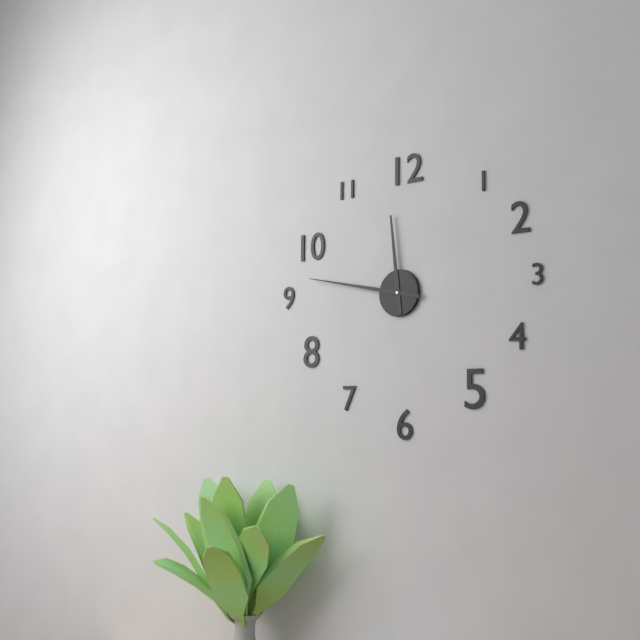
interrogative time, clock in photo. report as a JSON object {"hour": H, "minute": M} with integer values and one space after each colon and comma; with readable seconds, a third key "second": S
{"hour": 11, "minute": 47}
